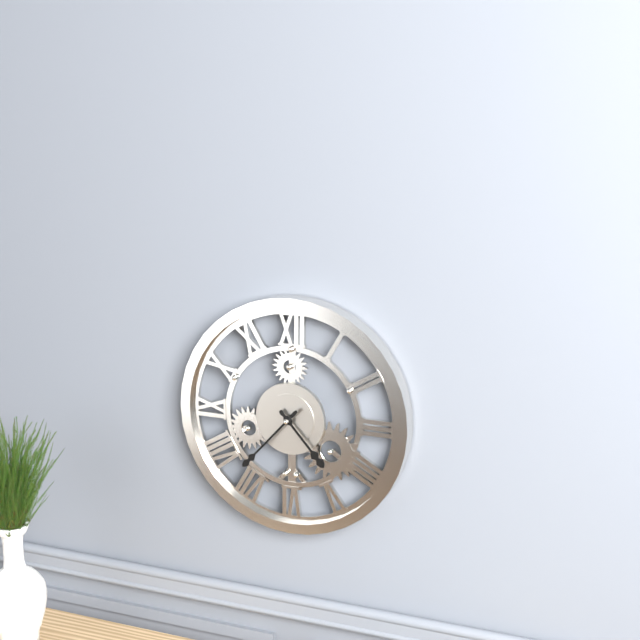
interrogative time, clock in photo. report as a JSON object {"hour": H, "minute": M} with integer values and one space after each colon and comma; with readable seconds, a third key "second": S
{"hour": 4, "minute": 37}
